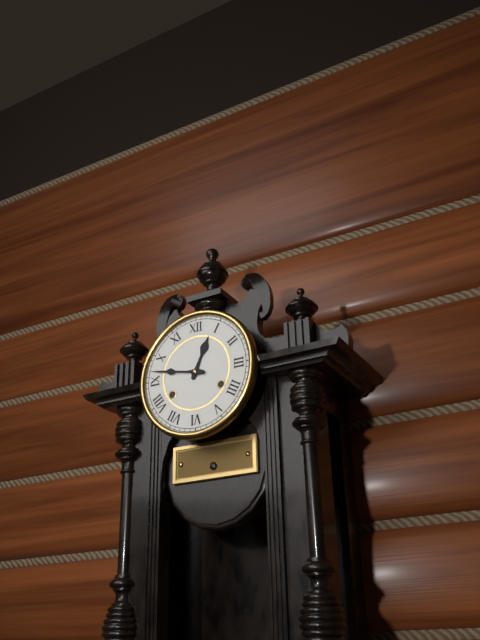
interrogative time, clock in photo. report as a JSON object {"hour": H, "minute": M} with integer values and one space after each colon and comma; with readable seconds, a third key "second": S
{"hour": 12, "minute": 47}
